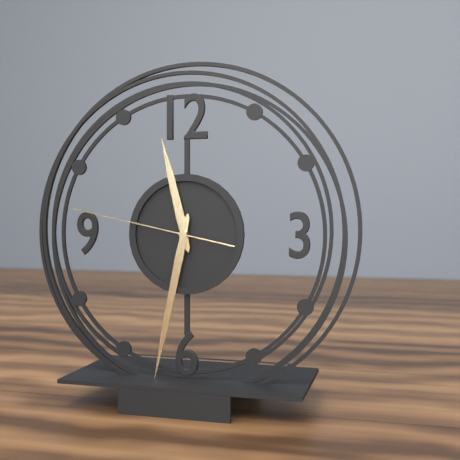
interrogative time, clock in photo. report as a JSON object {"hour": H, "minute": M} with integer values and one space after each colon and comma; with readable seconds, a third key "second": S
{"hour": 11, "minute": 32, "second": 47}
